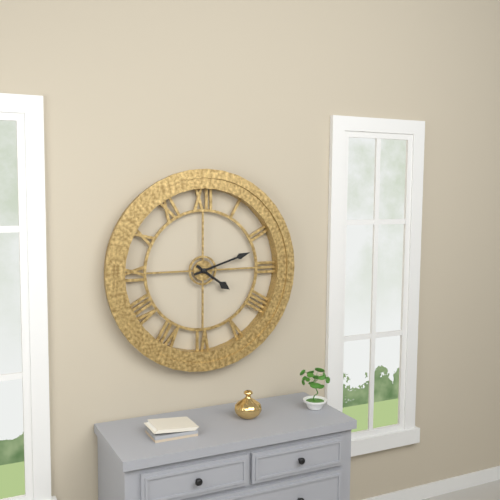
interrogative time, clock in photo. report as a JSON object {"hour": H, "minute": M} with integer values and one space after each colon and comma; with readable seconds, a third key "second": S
{"hour": 4, "minute": 12}
